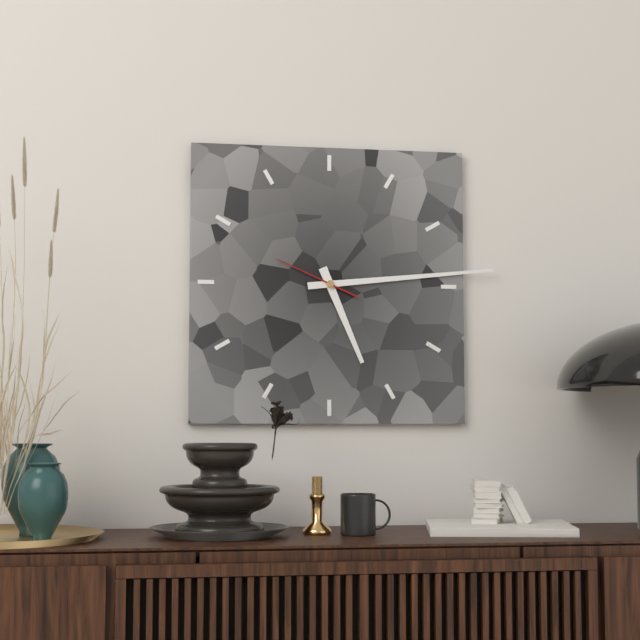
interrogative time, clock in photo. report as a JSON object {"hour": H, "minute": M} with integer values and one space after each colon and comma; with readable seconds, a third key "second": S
{"hour": 5, "minute": 14, "second": 49}
